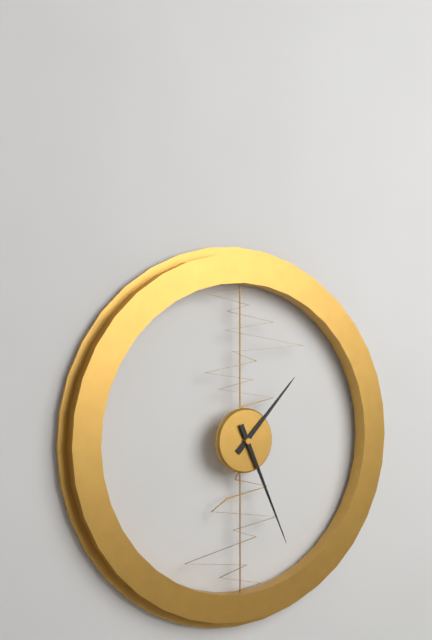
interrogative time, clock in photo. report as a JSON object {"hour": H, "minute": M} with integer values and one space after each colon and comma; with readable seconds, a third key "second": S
{"hour": 1, "minute": 26}
